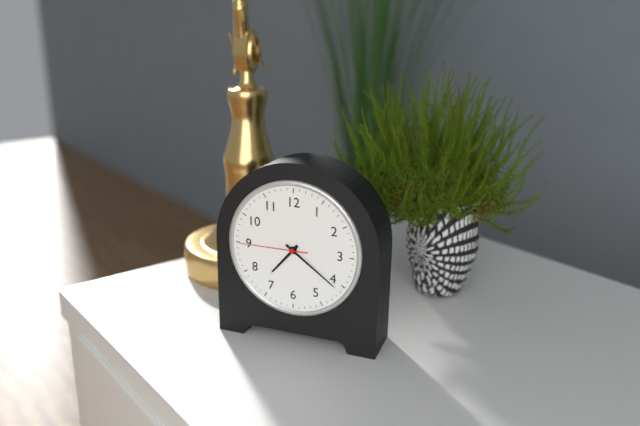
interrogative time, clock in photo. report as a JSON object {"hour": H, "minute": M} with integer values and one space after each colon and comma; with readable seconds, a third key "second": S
{"hour": 7, "minute": 21, "second": 45}
